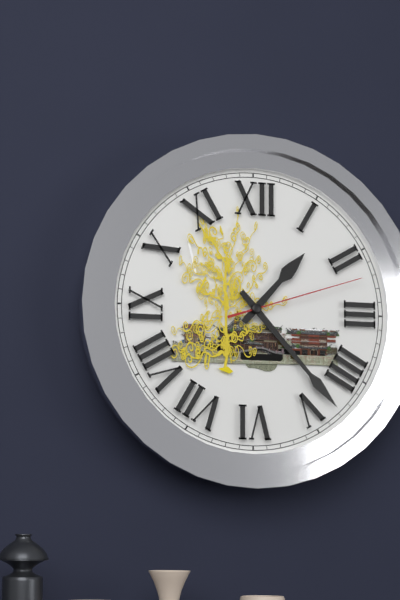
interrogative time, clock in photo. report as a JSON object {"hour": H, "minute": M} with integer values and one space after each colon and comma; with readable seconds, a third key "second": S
{"hour": 1, "minute": 23, "second": 12}
